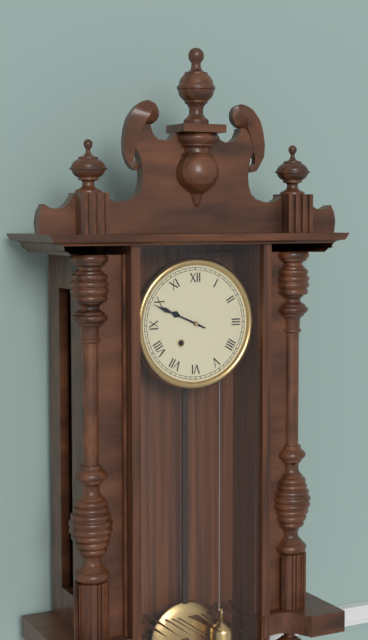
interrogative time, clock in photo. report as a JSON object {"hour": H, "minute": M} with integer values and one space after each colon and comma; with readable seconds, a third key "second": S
{"hour": 9, "minute": 49}
